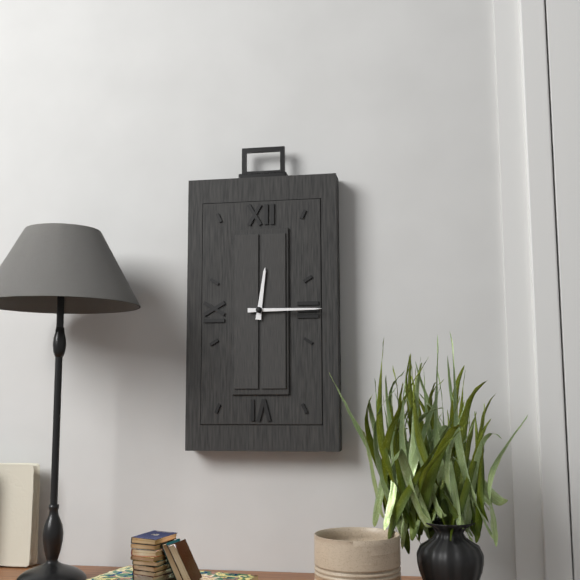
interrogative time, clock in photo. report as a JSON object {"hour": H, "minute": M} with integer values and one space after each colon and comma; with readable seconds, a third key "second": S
{"hour": 12, "minute": 15}
